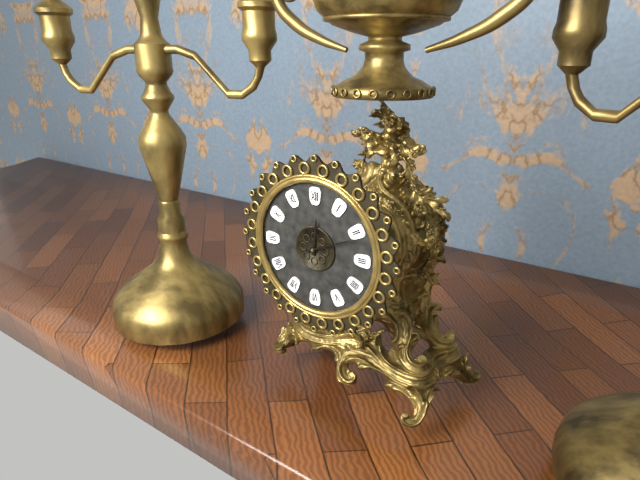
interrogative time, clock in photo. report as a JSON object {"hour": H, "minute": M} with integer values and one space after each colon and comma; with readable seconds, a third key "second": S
{"hour": 12, "minute": 11}
